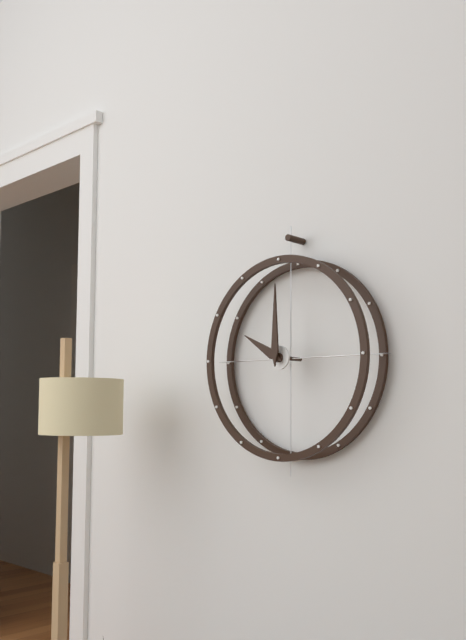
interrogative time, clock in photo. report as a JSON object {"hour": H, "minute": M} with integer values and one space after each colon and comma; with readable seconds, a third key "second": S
{"hour": 10, "minute": 0}
